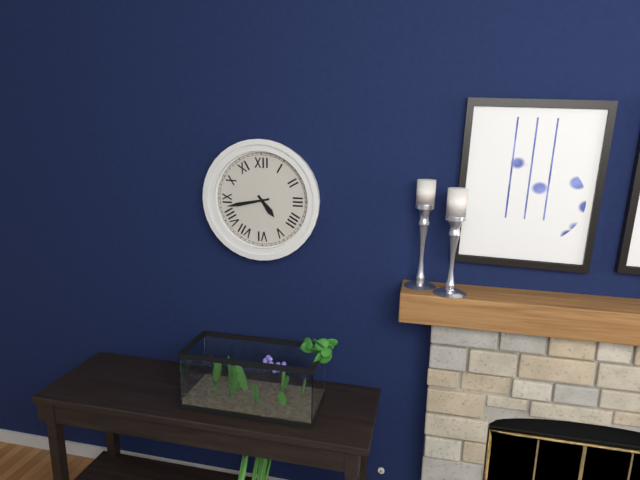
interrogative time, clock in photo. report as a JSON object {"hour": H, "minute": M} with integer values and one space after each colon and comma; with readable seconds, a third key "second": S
{"hour": 4, "minute": 43}
